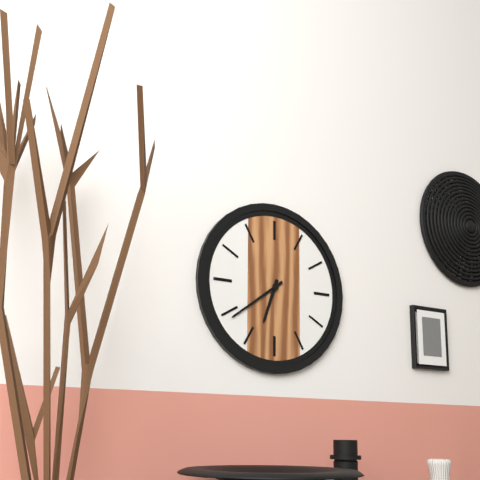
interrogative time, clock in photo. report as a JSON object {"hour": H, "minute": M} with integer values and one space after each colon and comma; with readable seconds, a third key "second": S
{"hour": 6, "minute": 39}
